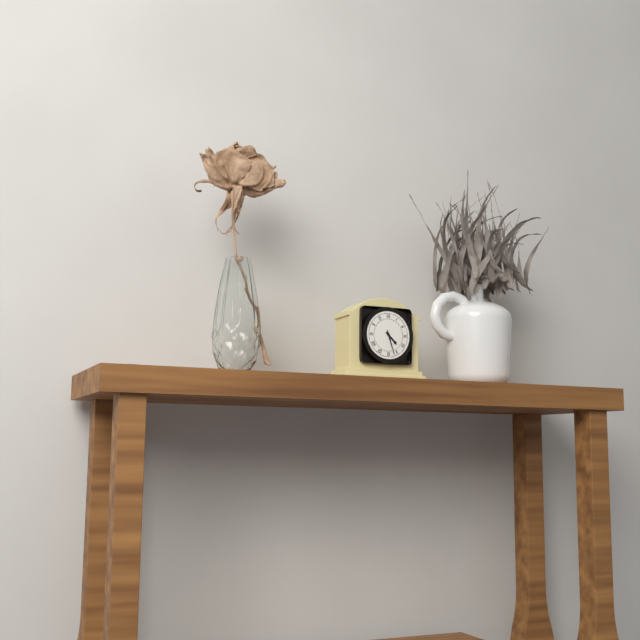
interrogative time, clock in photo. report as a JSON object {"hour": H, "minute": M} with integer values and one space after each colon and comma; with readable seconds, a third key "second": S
{"hour": 4, "minute": 27}
